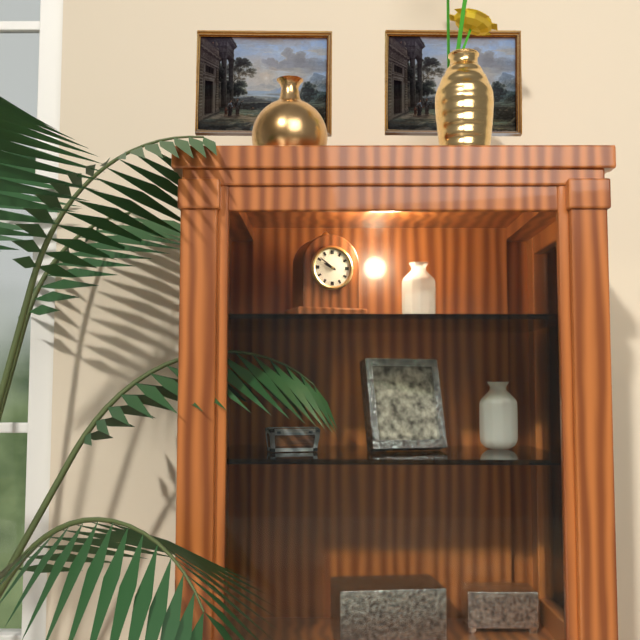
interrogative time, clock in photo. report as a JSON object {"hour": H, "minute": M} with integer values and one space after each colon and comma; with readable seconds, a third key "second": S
{"hour": 9, "minute": 51}
